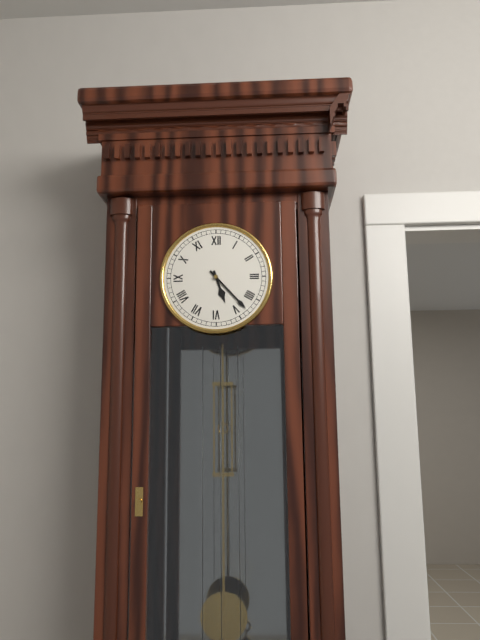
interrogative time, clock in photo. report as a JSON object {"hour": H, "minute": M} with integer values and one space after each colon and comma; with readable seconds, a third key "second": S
{"hour": 5, "minute": 23}
